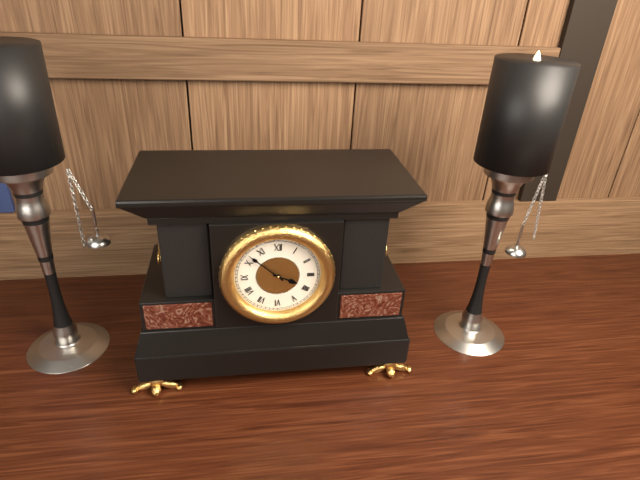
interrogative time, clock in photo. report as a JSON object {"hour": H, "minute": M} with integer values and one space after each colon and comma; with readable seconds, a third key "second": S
{"hour": 3, "minute": 52}
